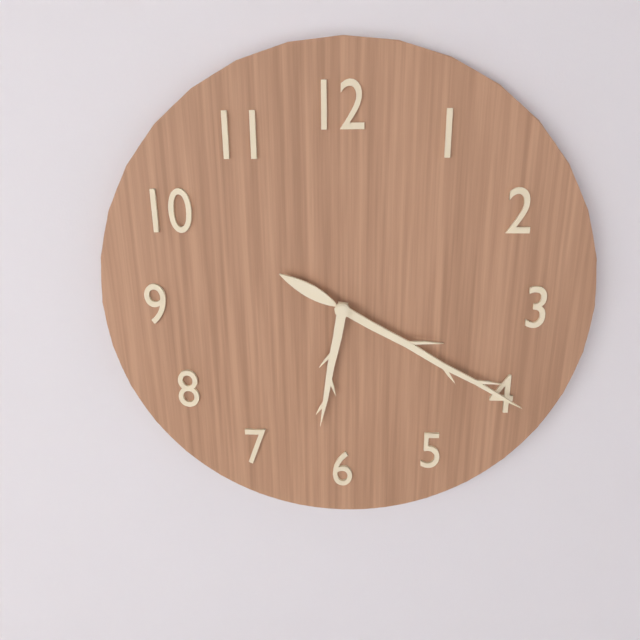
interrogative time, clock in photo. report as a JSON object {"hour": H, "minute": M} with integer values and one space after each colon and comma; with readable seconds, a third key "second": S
{"hour": 6, "minute": 20}
